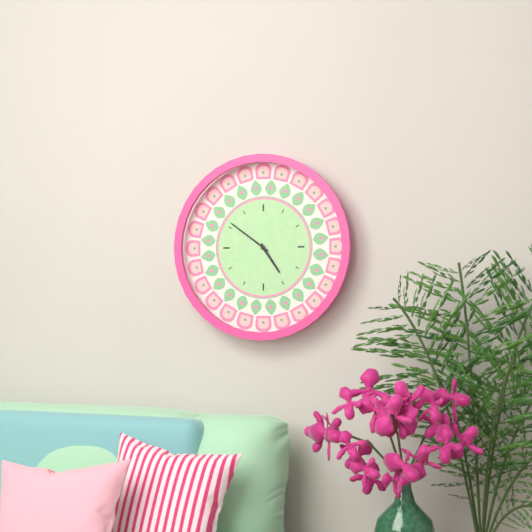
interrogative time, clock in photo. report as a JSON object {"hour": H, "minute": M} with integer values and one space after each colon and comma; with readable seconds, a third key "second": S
{"hour": 4, "minute": 51}
